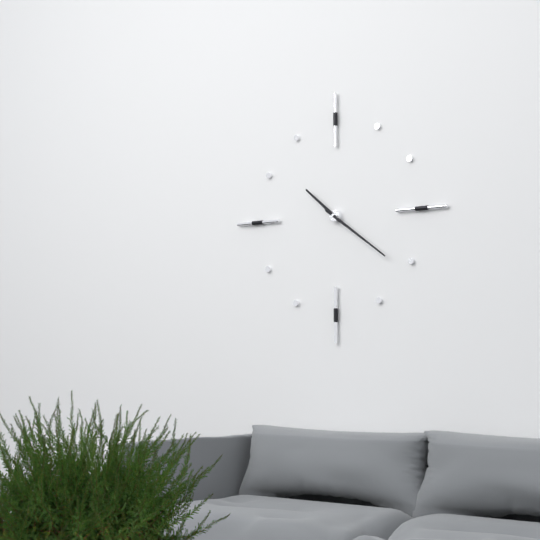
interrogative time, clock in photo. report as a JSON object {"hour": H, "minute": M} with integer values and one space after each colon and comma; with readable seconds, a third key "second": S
{"hour": 10, "minute": 21}
